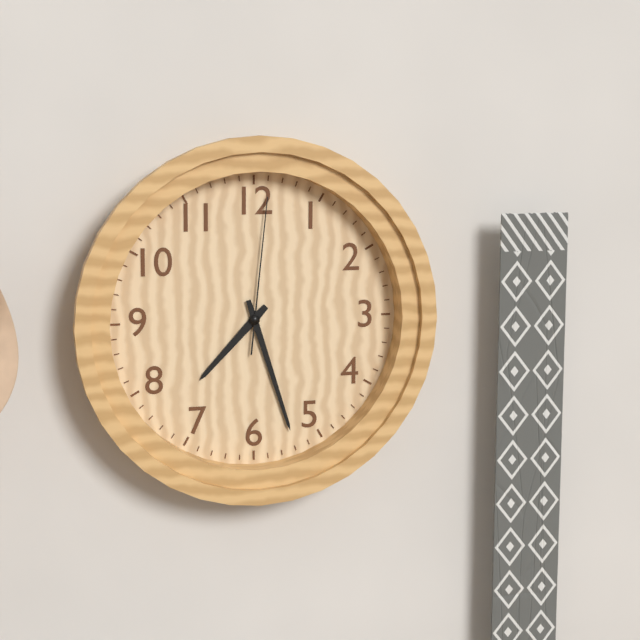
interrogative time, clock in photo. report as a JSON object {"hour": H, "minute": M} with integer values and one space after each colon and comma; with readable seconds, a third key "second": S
{"hour": 7, "minute": 27, "second": 1}
